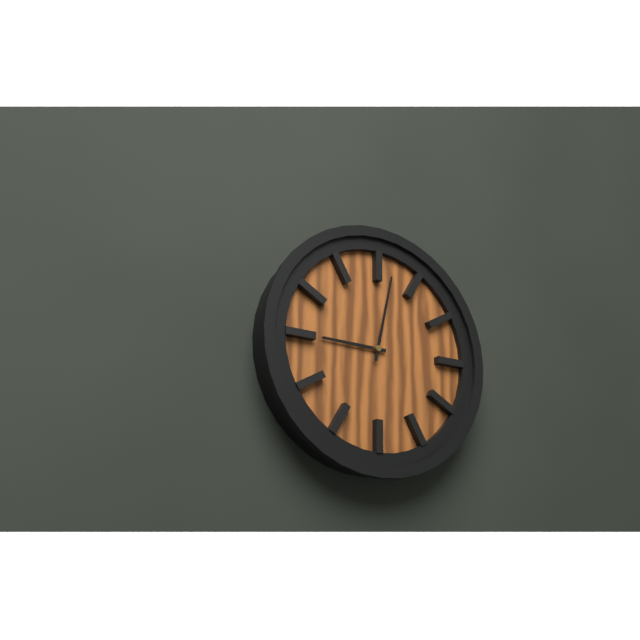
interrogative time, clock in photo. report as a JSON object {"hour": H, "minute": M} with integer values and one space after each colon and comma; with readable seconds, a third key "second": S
{"hour": 9, "minute": 2}
